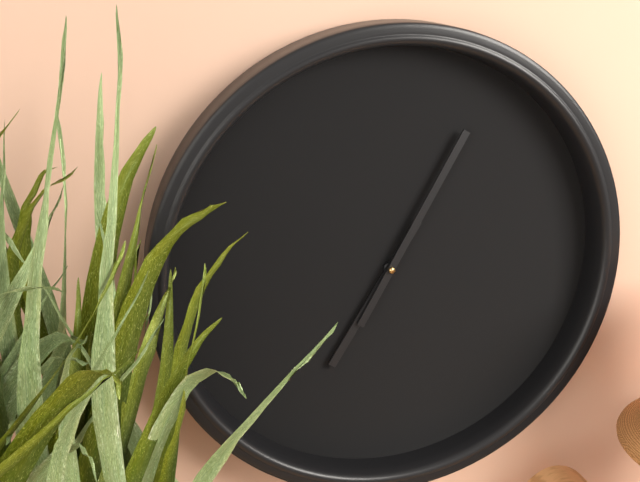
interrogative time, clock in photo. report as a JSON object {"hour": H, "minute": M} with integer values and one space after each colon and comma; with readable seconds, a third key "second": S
{"hour": 7, "minute": 5}
